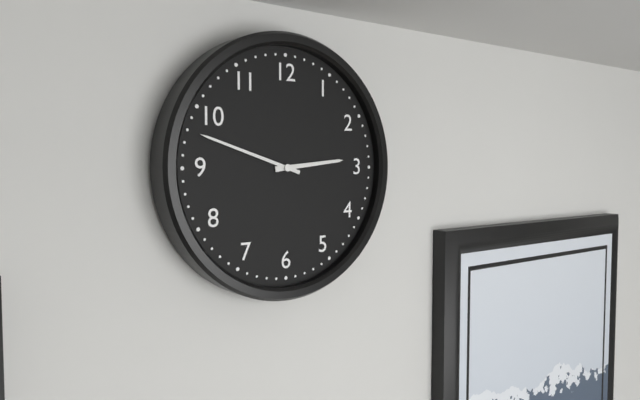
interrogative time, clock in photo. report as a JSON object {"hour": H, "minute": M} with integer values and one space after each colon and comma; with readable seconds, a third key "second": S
{"hour": 2, "minute": 48}
